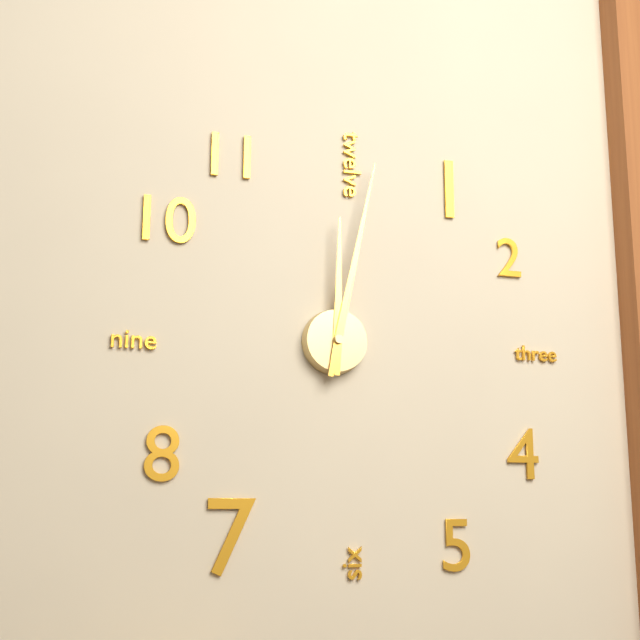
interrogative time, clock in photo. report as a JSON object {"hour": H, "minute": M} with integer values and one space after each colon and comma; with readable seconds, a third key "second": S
{"hour": 12, "minute": 2}
